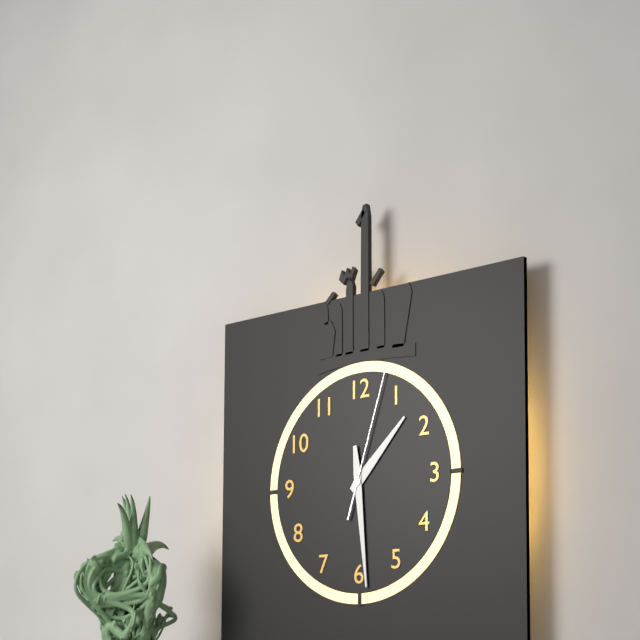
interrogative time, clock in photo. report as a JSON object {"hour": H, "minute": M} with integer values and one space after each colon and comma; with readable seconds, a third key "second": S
{"hour": 1, "minute": 29, "second": 3}
